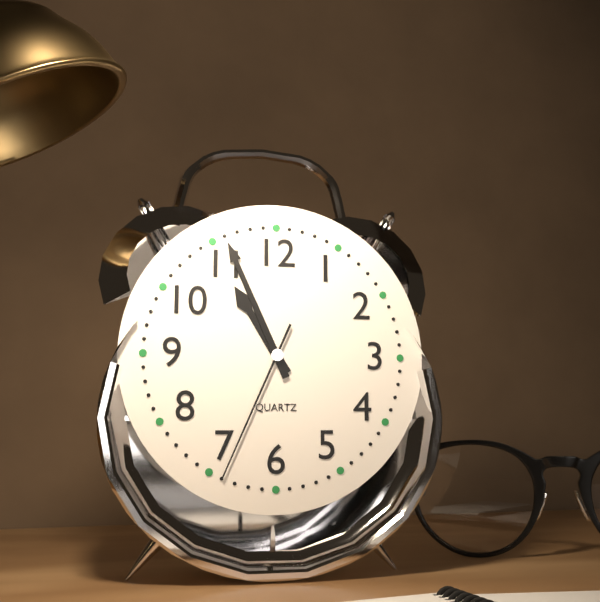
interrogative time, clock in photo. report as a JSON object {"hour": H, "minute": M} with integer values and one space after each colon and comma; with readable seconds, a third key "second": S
{"hour": 10, "minute": 56, "second": 34}
